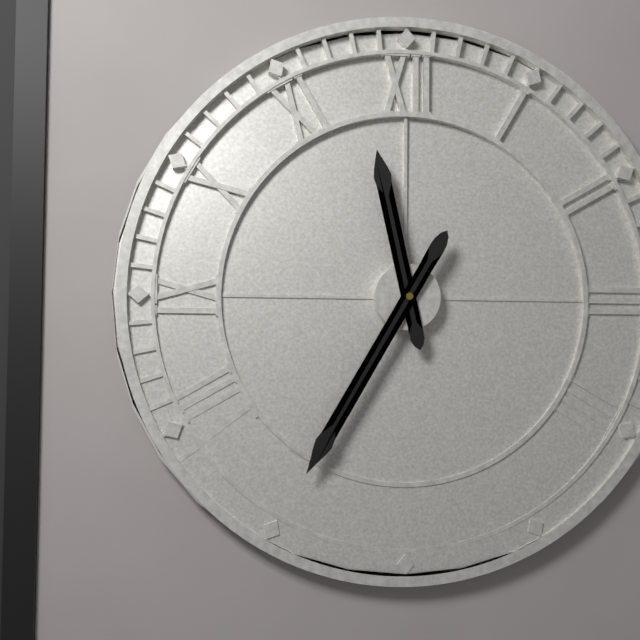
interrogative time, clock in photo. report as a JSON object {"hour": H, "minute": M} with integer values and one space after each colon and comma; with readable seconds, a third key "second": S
{"hour": 11, "minute": 35}
